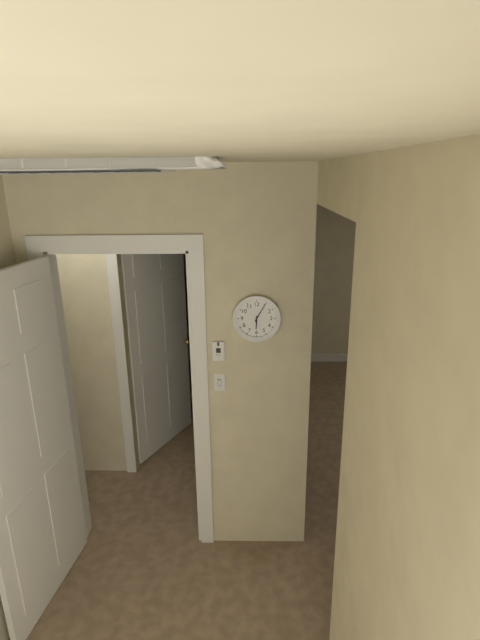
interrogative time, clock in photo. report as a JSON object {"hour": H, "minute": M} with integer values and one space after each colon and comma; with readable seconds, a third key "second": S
{"hour": 6, "minute": 5}
